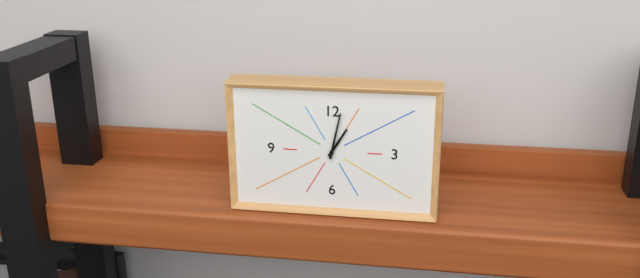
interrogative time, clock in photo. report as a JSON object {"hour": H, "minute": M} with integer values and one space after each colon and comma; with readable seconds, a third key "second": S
{"hour": 1, "minute": 2}
